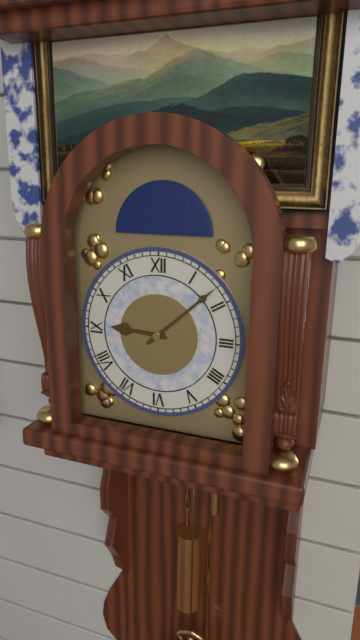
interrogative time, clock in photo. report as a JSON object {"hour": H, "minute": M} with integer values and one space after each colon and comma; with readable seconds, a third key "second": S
{"hour": 9, "minute": 8}
